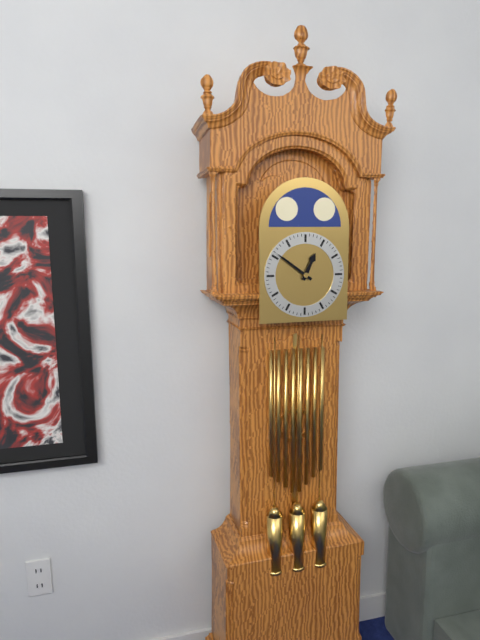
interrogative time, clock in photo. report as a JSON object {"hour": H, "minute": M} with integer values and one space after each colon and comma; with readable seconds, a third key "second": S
{"hour": 12, "minute": 51}
